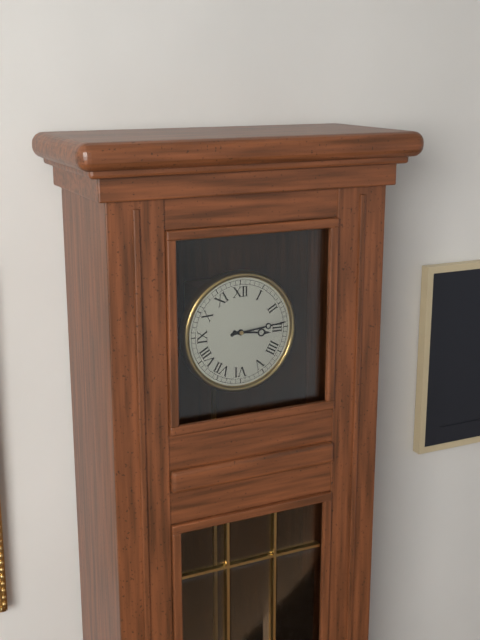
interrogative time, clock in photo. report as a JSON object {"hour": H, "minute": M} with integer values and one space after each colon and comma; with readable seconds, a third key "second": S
{"hour": 3, "minute": 14}
